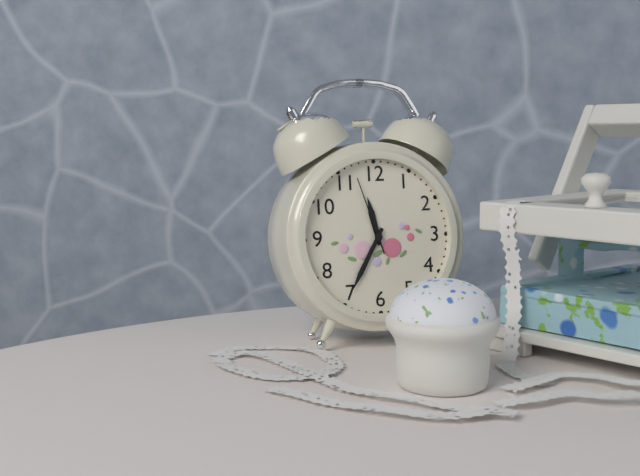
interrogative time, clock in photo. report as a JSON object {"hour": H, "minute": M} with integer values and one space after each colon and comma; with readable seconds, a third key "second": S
{"hour": 11, "minute": 35, "second": 57}
